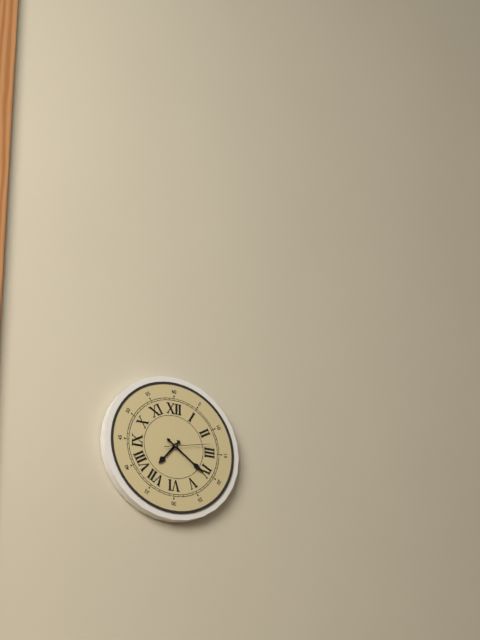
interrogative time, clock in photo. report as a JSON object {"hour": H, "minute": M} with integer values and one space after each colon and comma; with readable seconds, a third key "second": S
{"hour": 7, "minute": 21, "second": 13}
